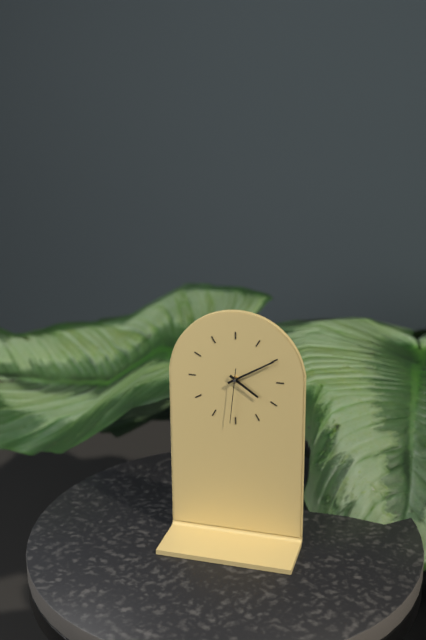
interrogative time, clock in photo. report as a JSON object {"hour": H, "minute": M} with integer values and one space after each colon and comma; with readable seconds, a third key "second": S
{"hour": 4, "minute": 10, "second": 31}
